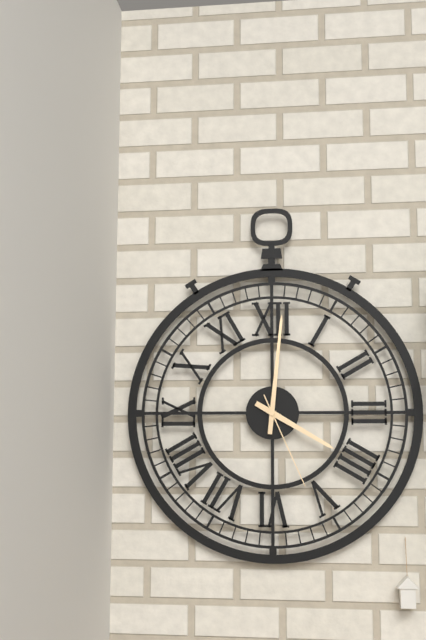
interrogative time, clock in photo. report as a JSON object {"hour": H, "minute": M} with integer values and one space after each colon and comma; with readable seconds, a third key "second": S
{"hour": 4, "minute": 1, "second": 26}
